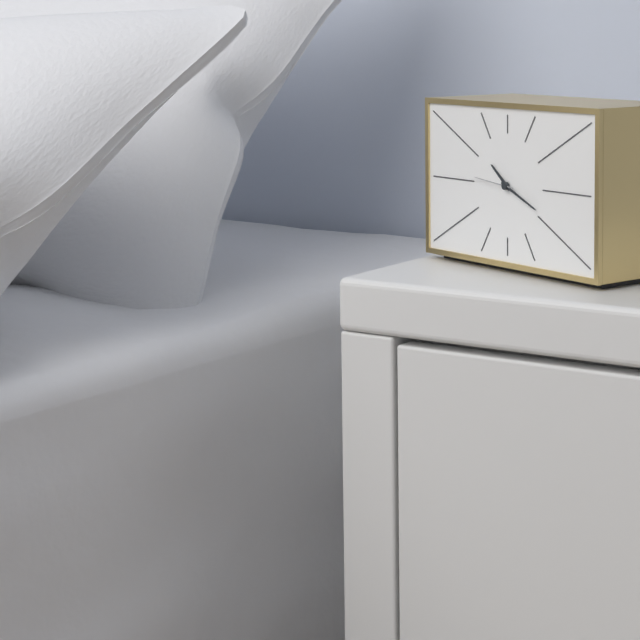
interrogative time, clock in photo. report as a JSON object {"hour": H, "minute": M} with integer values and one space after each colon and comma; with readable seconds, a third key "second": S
{"hour": 10, "minute": 19}
